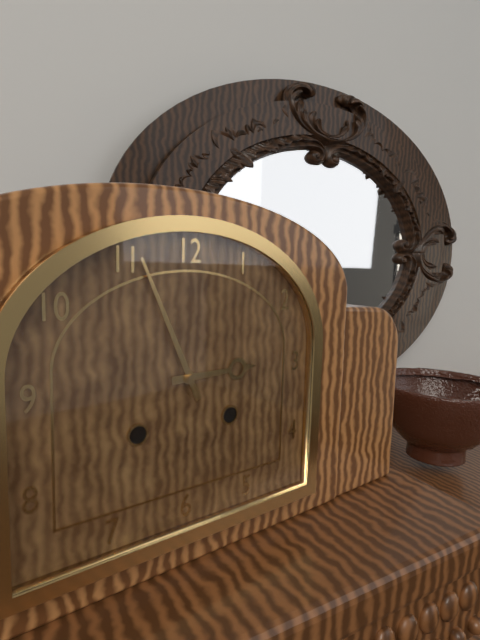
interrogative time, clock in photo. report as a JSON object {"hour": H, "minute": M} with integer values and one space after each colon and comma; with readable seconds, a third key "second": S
{"hour": 2, "minute": 56}
